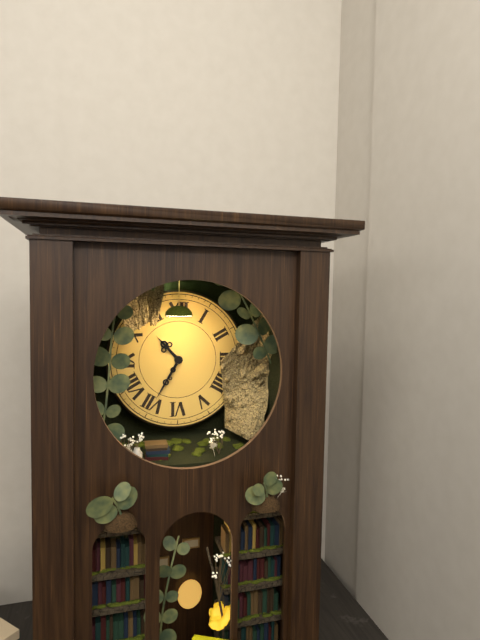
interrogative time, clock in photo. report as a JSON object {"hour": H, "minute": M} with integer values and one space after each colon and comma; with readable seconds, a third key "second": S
{"hour": 10, "minute": 35}
